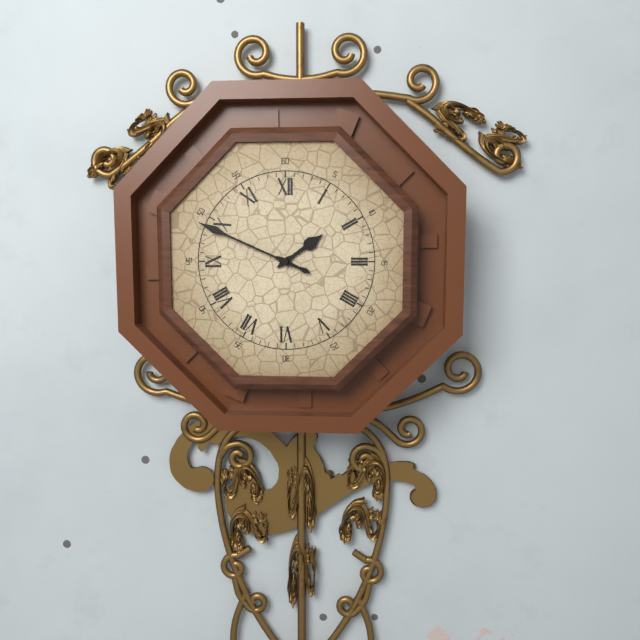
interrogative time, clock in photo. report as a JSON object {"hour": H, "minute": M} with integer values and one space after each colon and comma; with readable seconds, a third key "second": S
{"hour": 1, "minute": 49}
